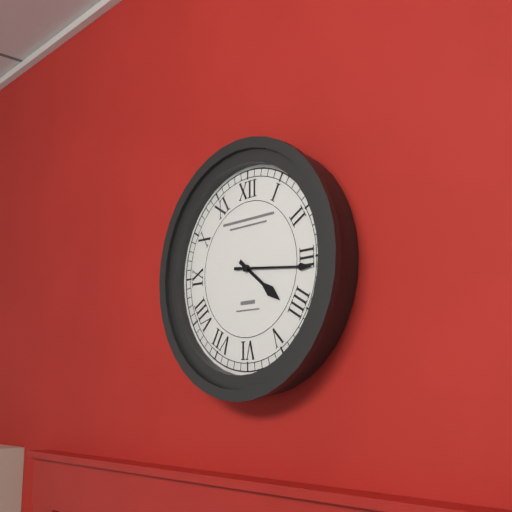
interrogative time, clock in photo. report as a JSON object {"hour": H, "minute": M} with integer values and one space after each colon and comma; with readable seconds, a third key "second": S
{"hour": 4, "minute": 16}
